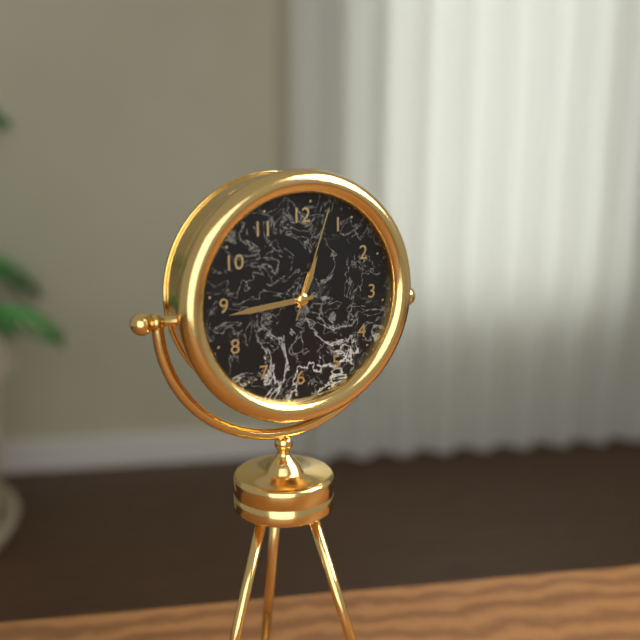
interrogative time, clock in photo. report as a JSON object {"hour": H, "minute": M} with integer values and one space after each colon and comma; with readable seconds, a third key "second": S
{"hour": 12, "minute": 44, "second": 3}
